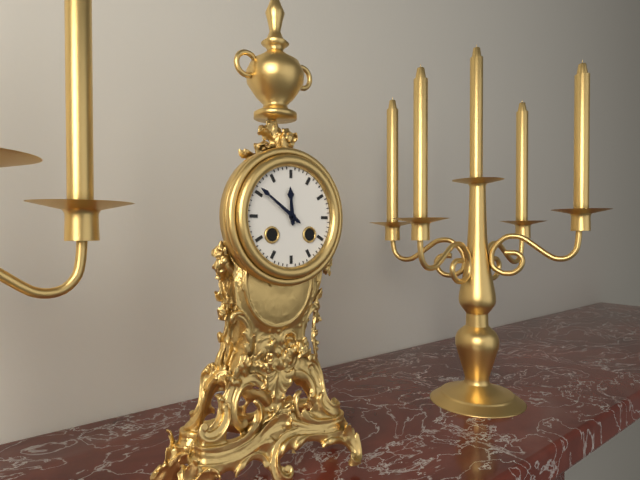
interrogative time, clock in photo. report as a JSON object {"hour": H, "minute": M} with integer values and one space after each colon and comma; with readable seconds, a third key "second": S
{"hour": 11, "minute": 51}
